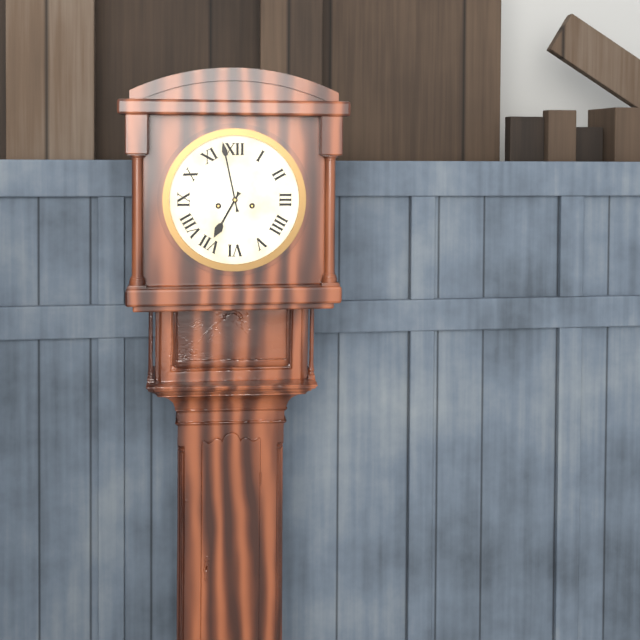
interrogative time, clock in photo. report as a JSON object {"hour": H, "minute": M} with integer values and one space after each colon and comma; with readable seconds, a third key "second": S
{"hour": 6, "minute": 58}
